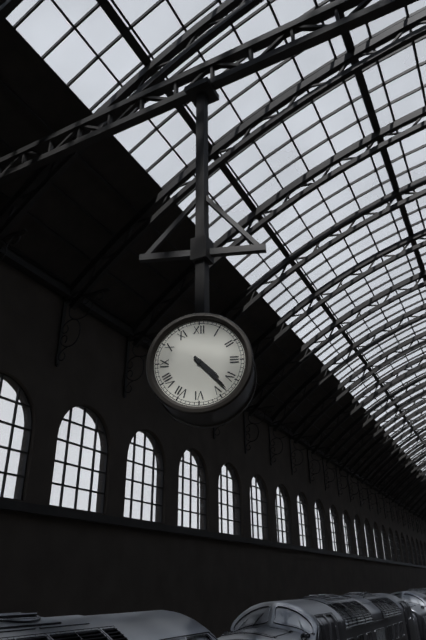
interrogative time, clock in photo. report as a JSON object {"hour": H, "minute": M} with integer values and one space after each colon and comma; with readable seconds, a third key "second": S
{"hour": 4, "minute": 23}
